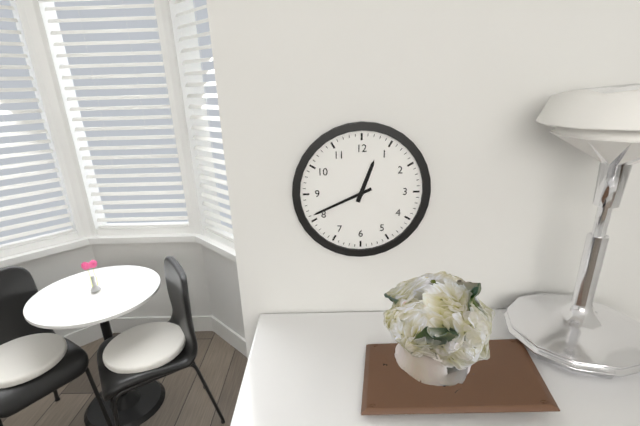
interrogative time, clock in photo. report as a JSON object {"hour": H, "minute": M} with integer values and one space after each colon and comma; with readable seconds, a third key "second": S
{"hour": 12, "minute": 41}
